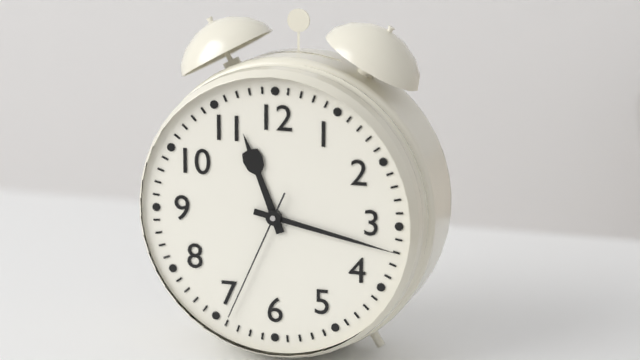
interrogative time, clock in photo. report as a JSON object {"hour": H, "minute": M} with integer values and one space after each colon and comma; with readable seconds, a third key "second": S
{"hour": 11, "minute": 17, "second": 34}
